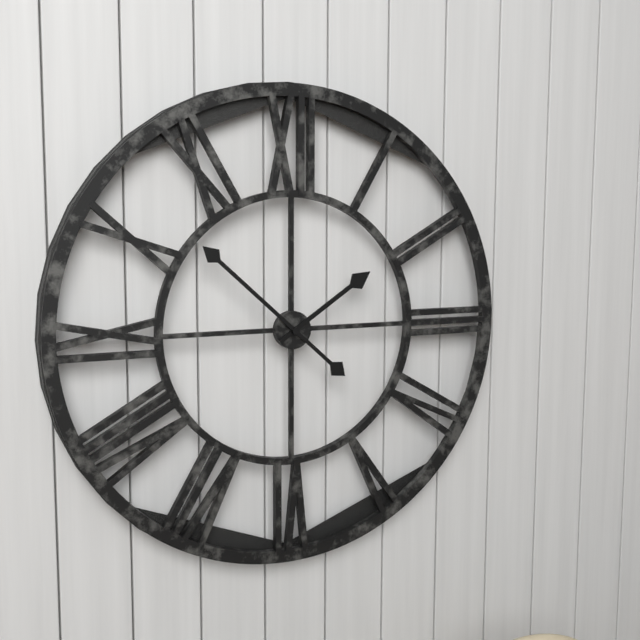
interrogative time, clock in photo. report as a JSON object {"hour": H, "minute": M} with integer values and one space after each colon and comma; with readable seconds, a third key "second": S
{"hour": 1, "minute": 52}
